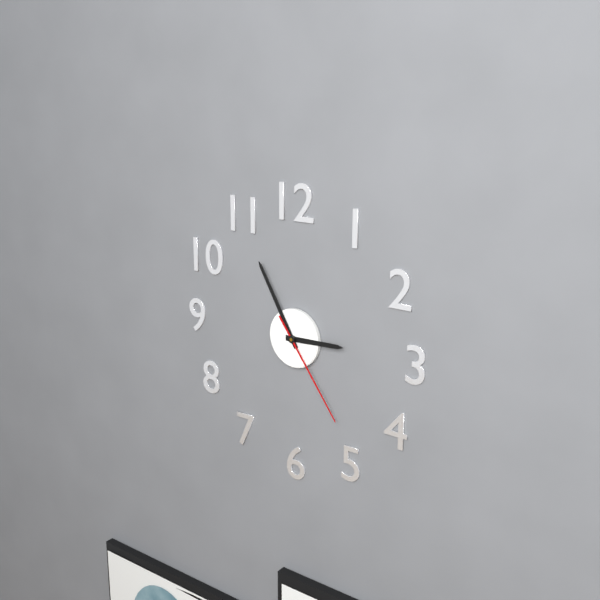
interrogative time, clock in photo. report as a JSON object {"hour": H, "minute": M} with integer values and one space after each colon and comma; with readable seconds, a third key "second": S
{"hour": 2, "minute": 55, "second": 24}
